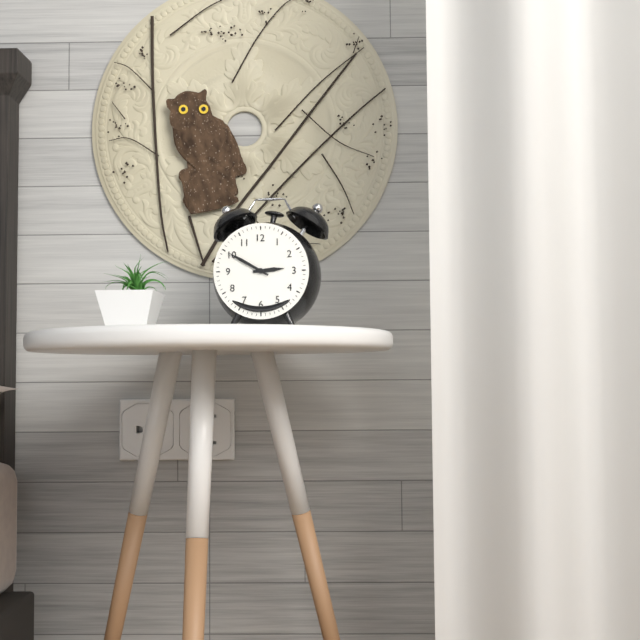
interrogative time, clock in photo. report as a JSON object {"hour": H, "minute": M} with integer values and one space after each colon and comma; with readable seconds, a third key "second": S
{"hour": 2, "minute": 50}
